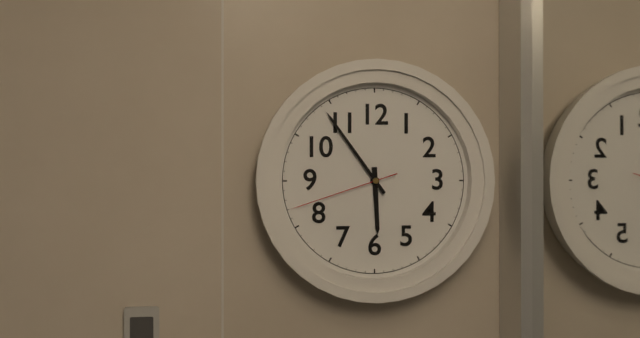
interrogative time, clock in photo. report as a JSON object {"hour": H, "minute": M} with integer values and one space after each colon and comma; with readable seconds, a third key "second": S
{"hour": 5, "minute": 54, "second": 42}
